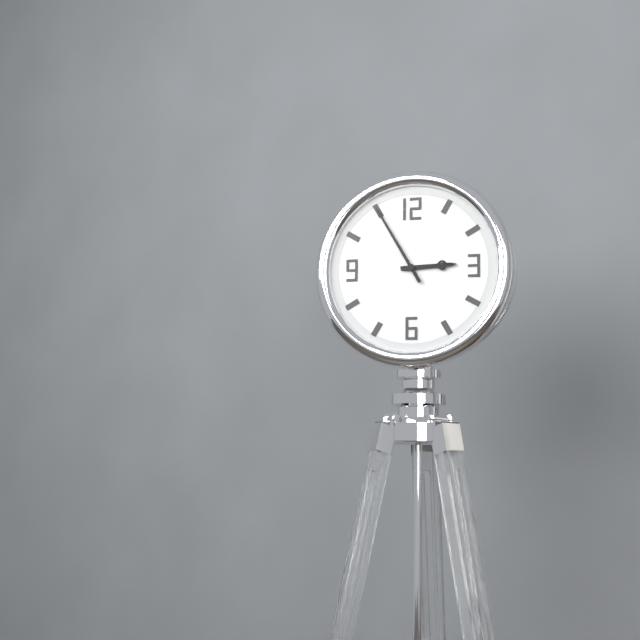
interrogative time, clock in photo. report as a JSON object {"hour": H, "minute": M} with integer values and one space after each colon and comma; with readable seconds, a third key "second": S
{"hour": 2, "minute": 55}
